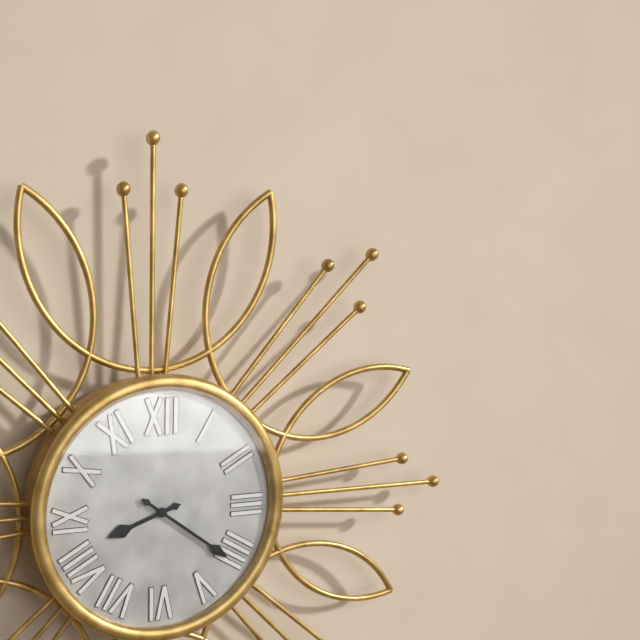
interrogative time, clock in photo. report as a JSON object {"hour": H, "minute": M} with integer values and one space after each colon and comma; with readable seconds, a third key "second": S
{"hour": 8, "minute": 21}
